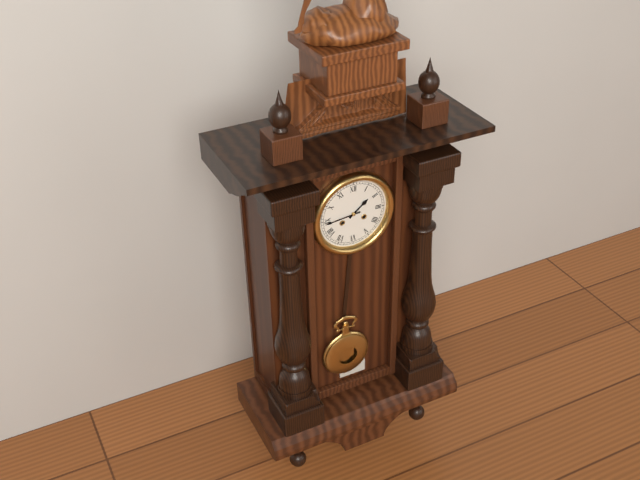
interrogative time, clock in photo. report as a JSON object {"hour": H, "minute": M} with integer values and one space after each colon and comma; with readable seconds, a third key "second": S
{"hour": 1, "minute": 44}
